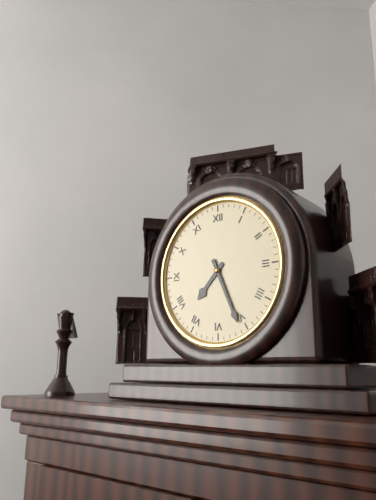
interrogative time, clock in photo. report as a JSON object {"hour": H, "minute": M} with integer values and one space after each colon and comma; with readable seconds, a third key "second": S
{"hour": 7, "minute": 26}
